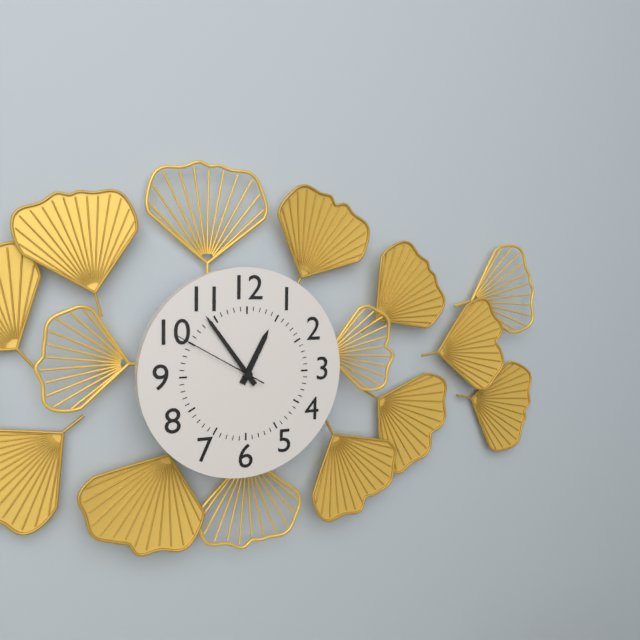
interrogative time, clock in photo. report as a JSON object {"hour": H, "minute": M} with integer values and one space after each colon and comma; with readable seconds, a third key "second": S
{"hour": 12, "minute": 54, "second": 50}
